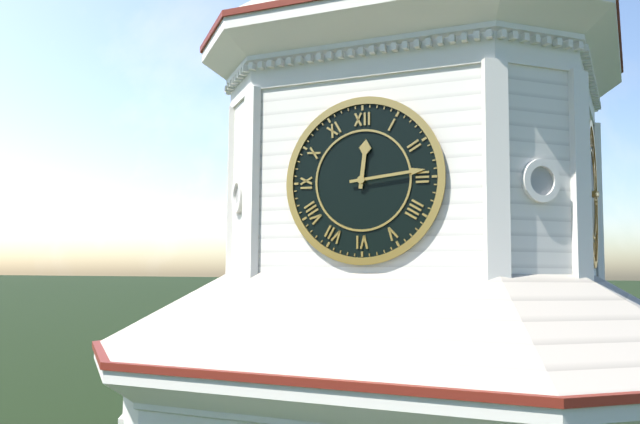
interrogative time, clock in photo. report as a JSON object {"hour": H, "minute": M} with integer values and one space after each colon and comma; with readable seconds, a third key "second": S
{"hour": 12, "minute": 14}
